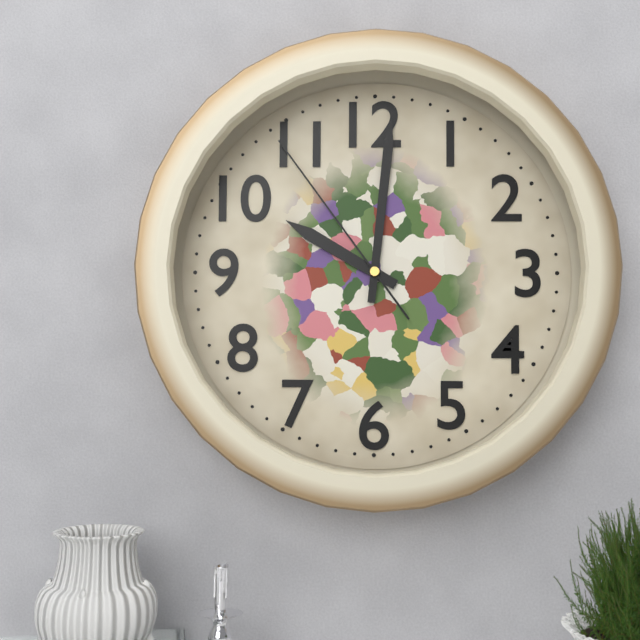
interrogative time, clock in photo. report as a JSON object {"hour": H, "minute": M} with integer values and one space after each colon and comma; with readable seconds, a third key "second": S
{"hour": 10, "minute": 1, "second": 54}
